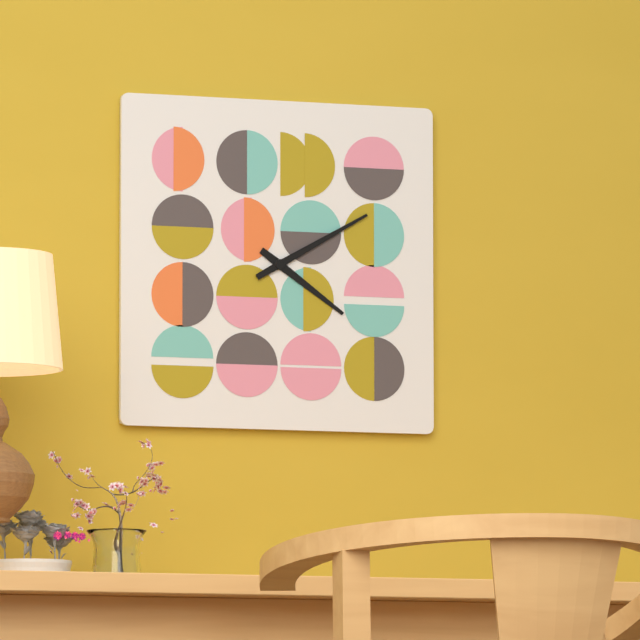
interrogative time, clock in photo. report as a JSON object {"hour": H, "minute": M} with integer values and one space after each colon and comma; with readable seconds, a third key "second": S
{"hour": 4, "minute": 10}
